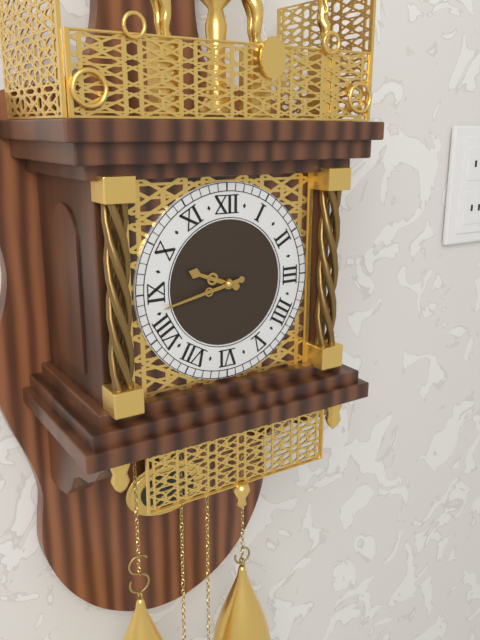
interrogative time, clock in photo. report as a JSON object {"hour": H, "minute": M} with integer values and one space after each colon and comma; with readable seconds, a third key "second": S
{"hour": 9, "minute": 43}
